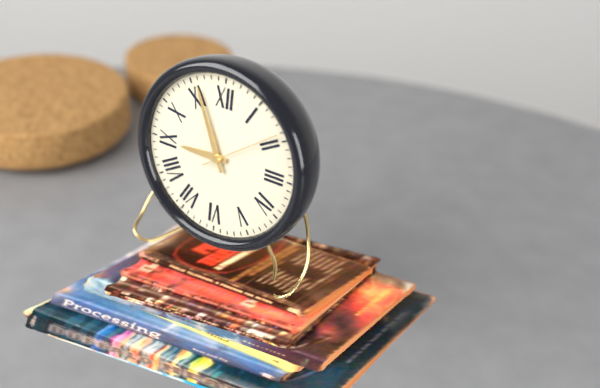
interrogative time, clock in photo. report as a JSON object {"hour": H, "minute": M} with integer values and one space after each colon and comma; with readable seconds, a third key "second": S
{"hour": 8, "minute": 56, "second": 9}
